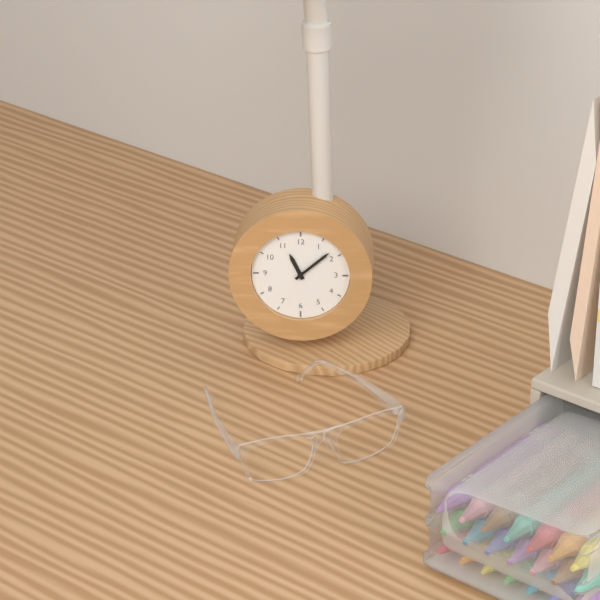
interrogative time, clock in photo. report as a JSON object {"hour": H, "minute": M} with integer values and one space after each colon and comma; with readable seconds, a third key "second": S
{"hour": 11, "minute": 8}
